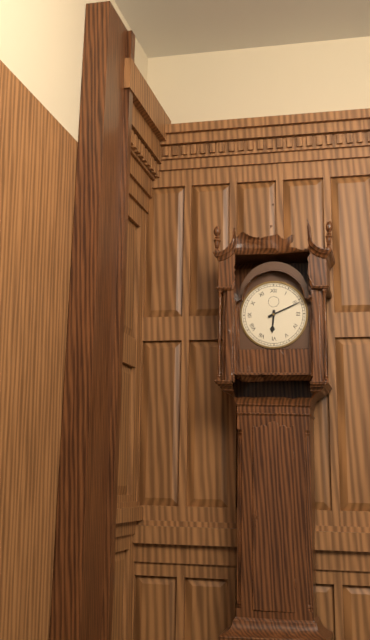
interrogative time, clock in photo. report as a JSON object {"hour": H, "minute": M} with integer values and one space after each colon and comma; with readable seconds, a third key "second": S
{"hour": 6, "minute": 11}
